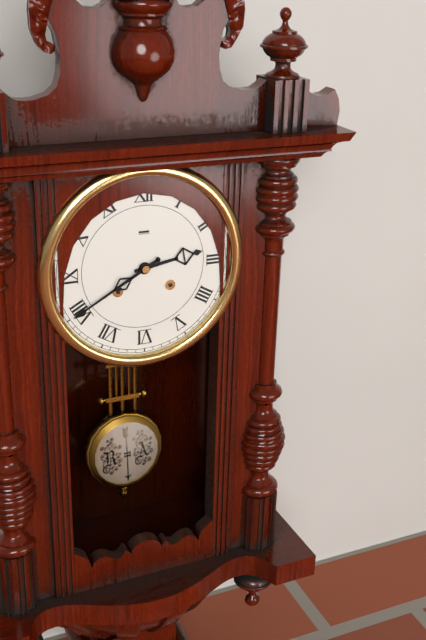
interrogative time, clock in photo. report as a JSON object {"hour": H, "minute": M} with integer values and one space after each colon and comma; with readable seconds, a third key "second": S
{"hour": 2, "minute": 40}
